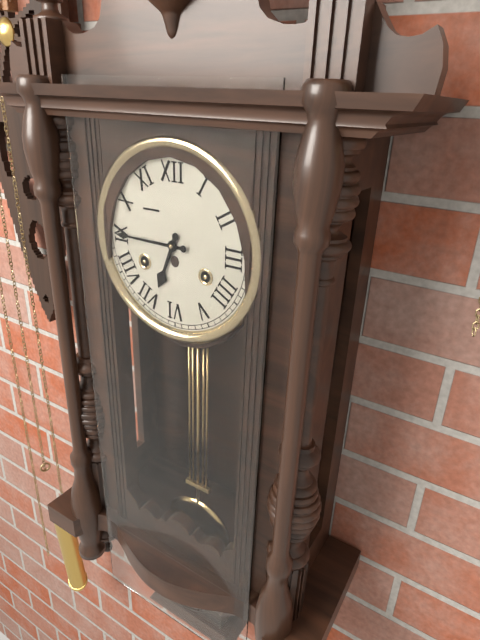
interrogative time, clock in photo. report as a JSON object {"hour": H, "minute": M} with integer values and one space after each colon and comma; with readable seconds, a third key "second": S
{"hour": 6, "minute": 45}
